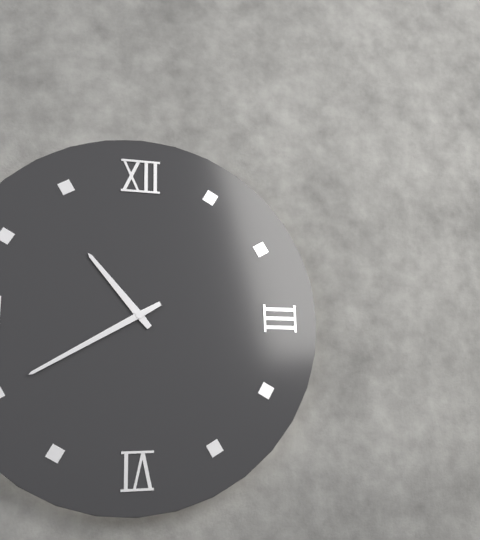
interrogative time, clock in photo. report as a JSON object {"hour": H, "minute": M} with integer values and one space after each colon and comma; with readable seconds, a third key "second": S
{"hour": 10, "minute": 40}
